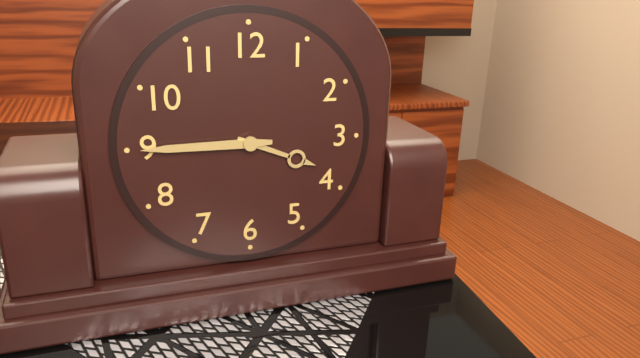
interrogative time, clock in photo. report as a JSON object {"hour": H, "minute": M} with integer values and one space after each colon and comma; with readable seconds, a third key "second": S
{"hour": 3, "minute": 45}
